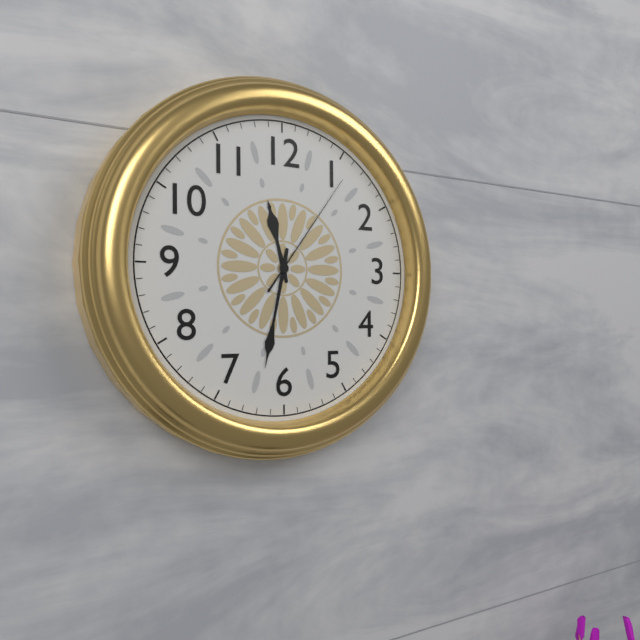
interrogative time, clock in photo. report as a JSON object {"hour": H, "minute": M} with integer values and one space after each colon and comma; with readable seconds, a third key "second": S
{"hour": 11, "minute": 32, "second": 6}
